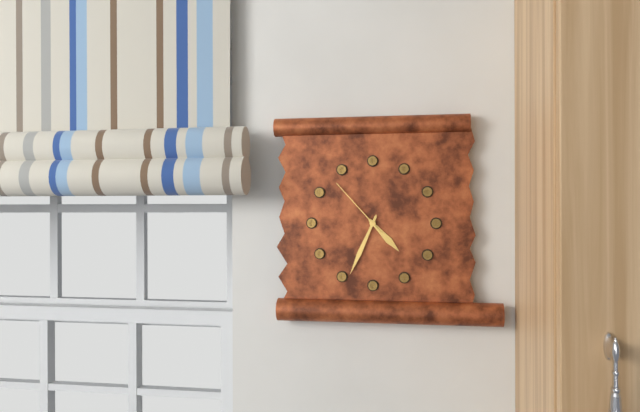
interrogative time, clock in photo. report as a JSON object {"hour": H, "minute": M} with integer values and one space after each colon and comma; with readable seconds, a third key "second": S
{"hour": 4, "minute": 34, "second": 53}
